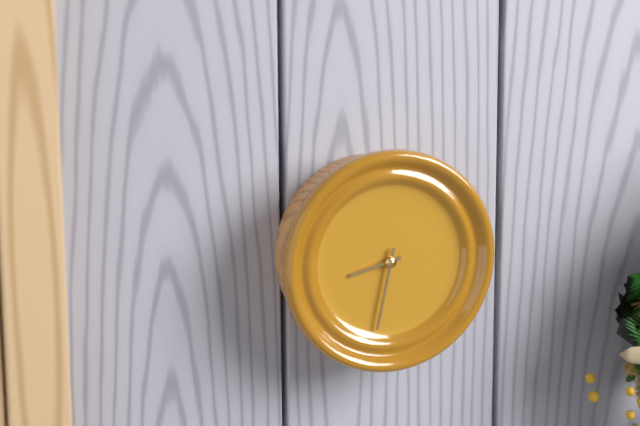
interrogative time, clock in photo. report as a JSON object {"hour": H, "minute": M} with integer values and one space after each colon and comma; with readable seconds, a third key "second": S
{"hour": 8, "minute": 32}
